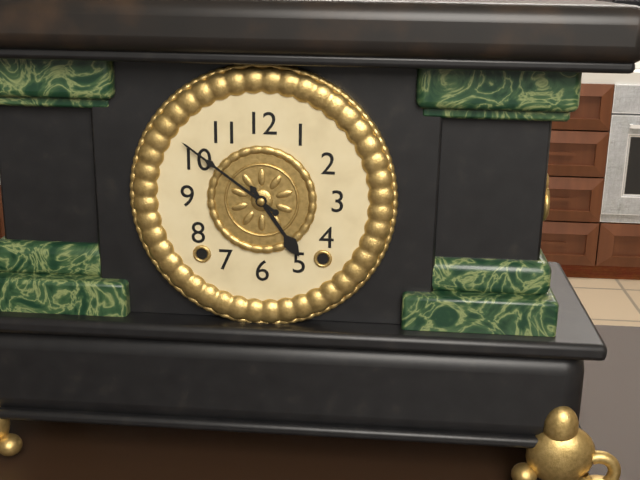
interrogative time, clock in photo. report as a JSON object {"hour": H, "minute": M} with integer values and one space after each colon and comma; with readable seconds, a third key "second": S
{"hour": 4, "minute": 51}
